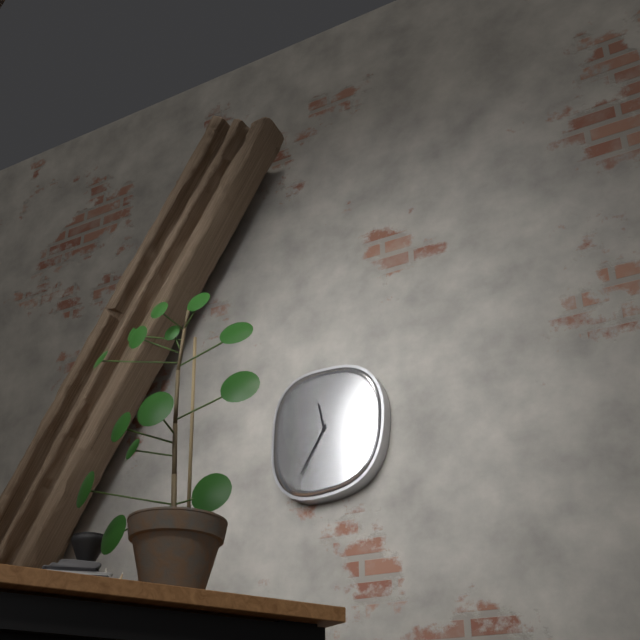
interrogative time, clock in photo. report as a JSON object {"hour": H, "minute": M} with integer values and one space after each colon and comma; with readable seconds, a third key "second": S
{"hour": 11, "minute": 35}
